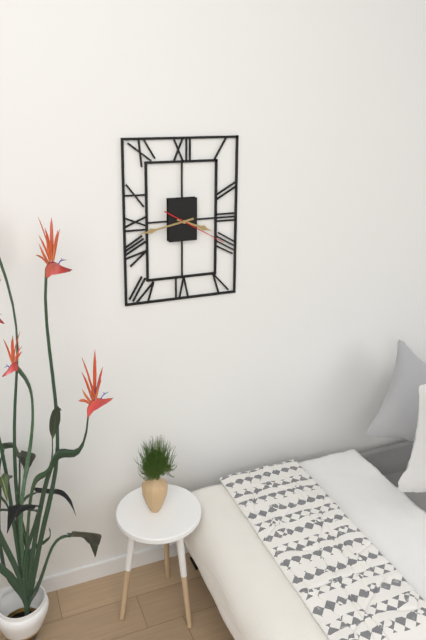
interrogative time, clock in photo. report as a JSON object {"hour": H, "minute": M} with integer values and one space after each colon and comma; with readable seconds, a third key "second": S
{"hour": 3, "minute": 43, "second": 20}
